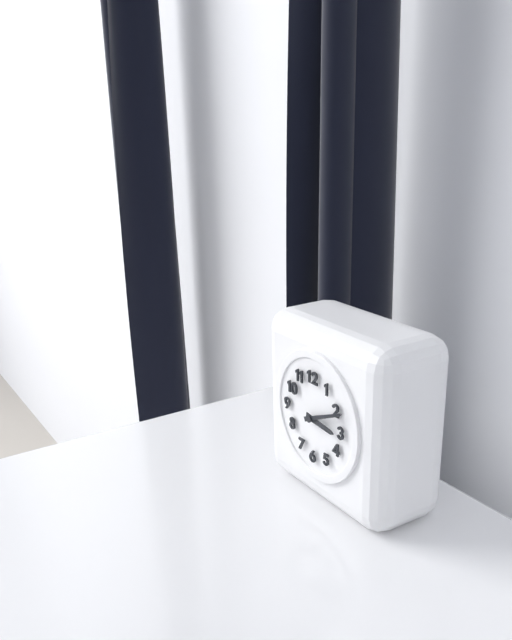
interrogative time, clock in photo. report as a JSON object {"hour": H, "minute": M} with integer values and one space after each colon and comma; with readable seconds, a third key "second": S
{"hour": 3, "minute": 11}
